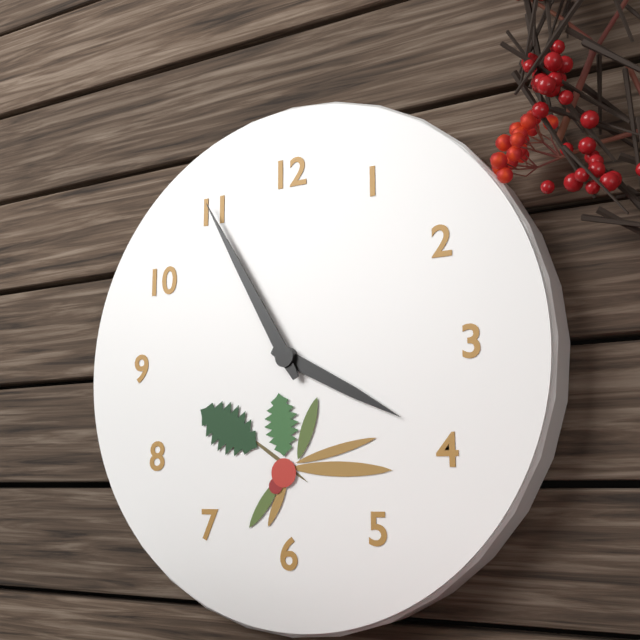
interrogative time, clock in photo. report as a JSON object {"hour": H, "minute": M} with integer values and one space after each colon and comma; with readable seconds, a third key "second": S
{"hour": 3, "minute": 55}
